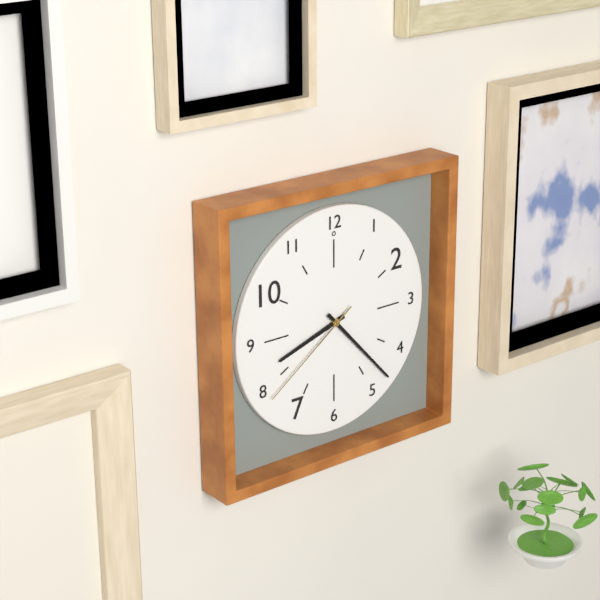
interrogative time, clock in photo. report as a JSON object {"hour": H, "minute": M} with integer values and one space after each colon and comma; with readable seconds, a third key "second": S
{"hour": 8, "minute": 23, "second": 39}
